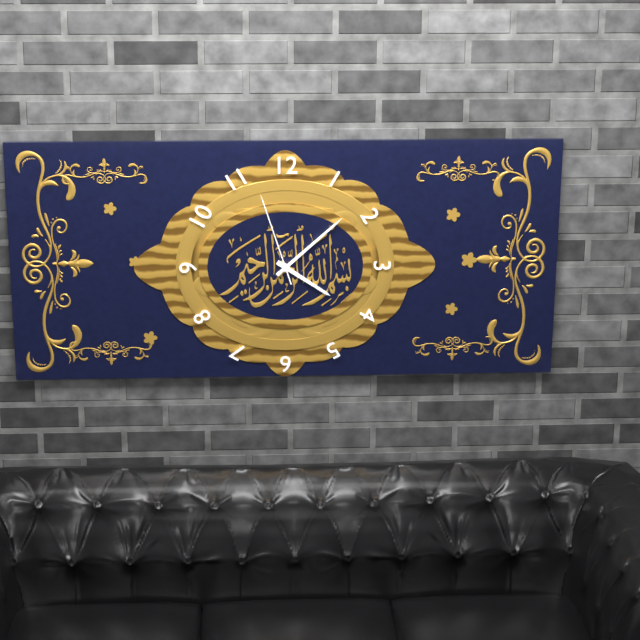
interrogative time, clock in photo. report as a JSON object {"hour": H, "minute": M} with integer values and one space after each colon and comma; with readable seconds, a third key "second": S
{"hour": 4, "minute": 8, "second": 57}
